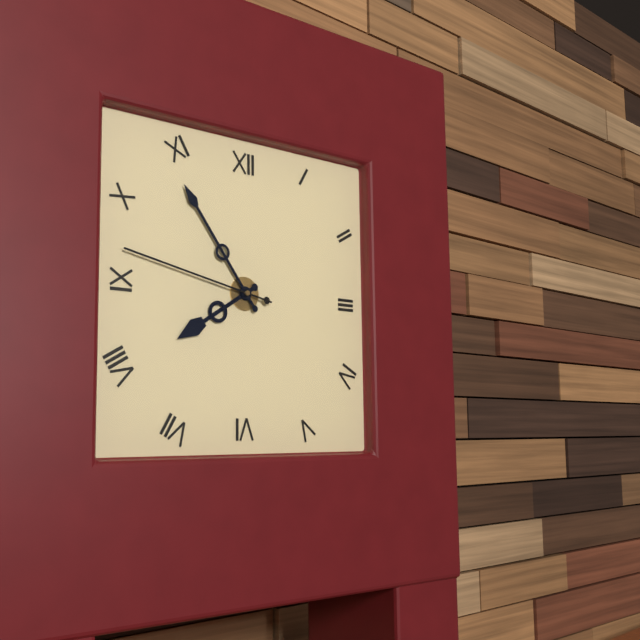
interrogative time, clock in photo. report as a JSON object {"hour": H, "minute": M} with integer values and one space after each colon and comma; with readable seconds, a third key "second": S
{"hour": 7, "minute": 54, "second": 47}
